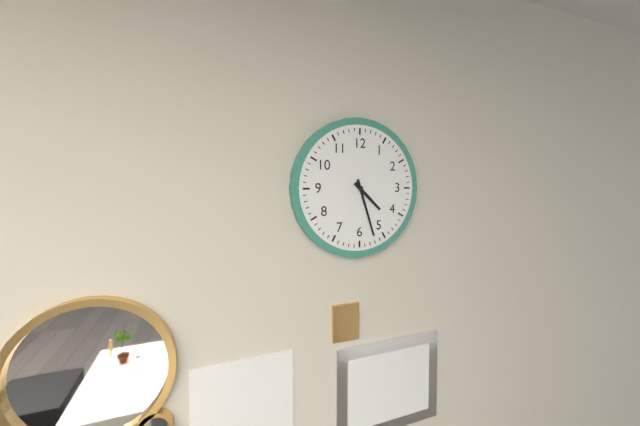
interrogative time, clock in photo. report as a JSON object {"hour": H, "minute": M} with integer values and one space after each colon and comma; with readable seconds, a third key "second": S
{"hour": 4, "minute": 27}
